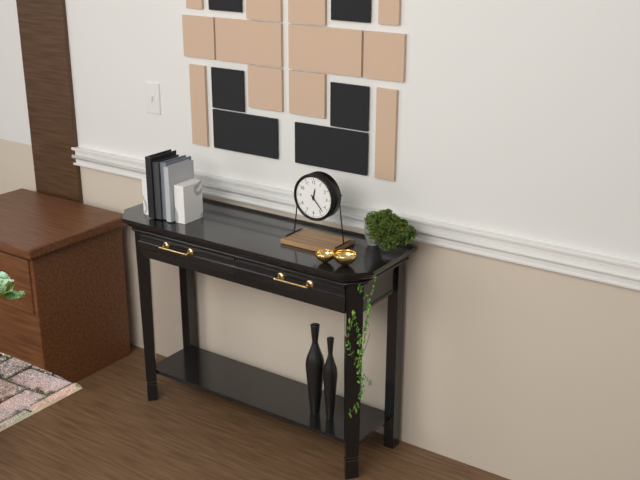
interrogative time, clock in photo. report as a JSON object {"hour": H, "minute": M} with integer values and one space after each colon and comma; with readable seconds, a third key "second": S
{"hour": 12, "minute": 23}
